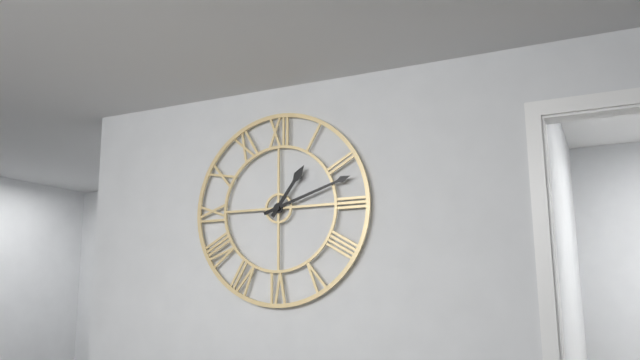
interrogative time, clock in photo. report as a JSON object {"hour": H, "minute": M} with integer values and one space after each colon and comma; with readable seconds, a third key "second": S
{"hour": 1, "minute": 12}
